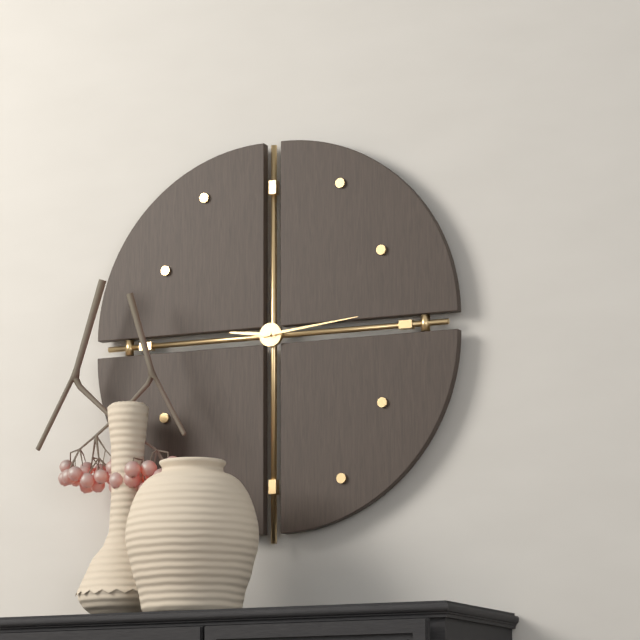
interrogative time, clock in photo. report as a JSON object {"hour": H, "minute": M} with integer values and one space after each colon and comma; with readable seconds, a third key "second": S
{"hour": 9, "minute": 14}
